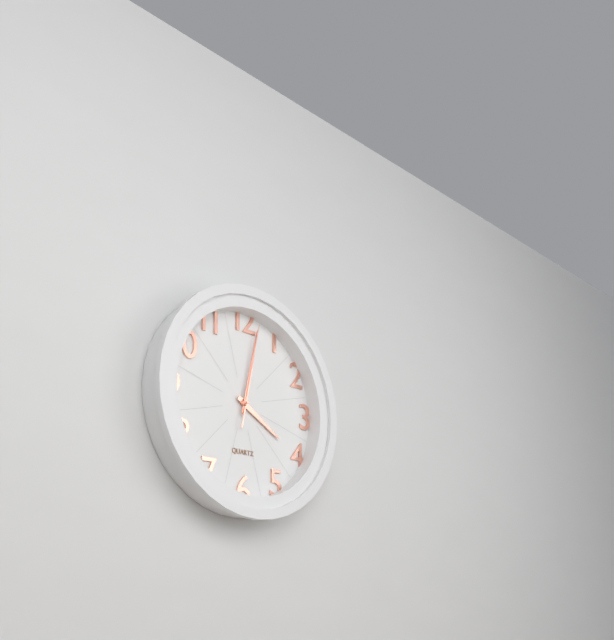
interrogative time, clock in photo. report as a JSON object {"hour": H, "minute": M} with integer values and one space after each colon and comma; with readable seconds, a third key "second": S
{"hour": 4, "minute": 2, "second": 2}
